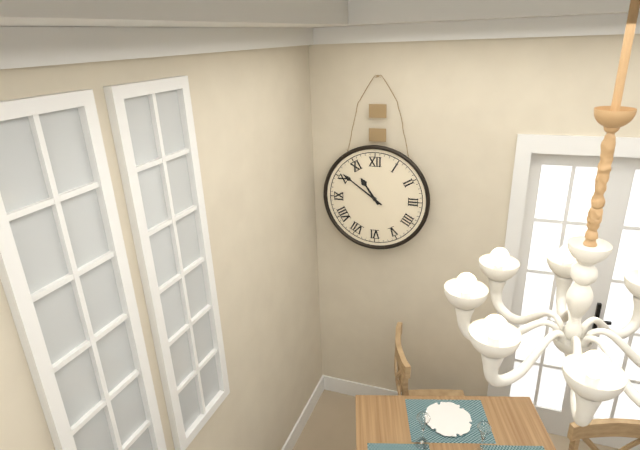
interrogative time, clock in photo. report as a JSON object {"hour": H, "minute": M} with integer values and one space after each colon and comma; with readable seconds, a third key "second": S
{"hour": 10, "minute": 51}
